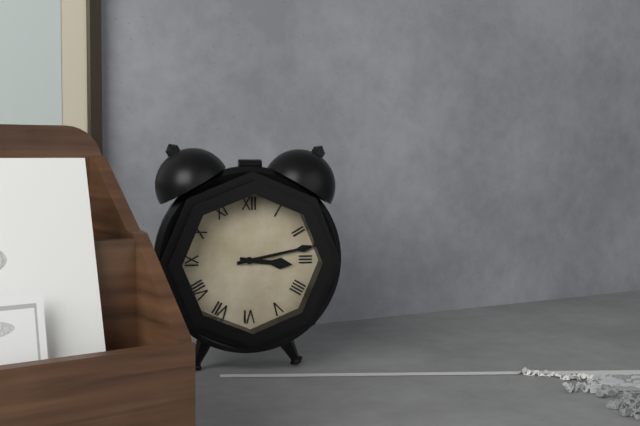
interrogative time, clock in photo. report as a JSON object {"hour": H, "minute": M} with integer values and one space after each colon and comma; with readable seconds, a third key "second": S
{"hour": 3, "minute": 13}
